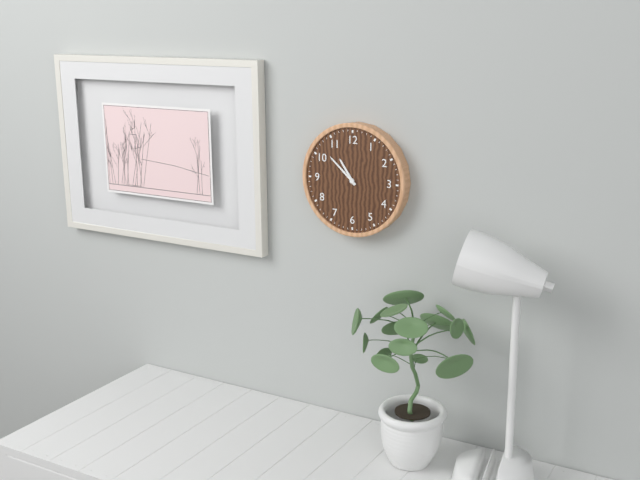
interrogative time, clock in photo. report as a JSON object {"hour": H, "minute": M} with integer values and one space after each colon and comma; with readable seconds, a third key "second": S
{"hour": 10, "minute": 52}
